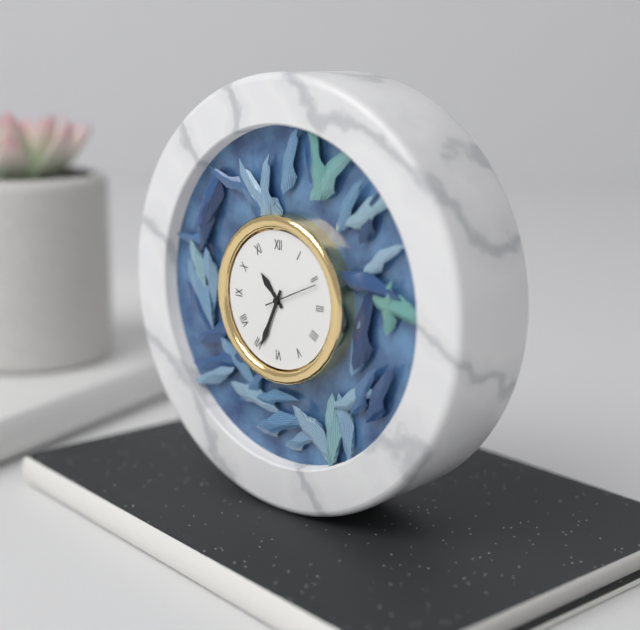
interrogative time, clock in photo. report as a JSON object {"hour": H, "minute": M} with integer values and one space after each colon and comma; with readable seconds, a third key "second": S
{"hour": 10, "minute": 34, "second": 11}
